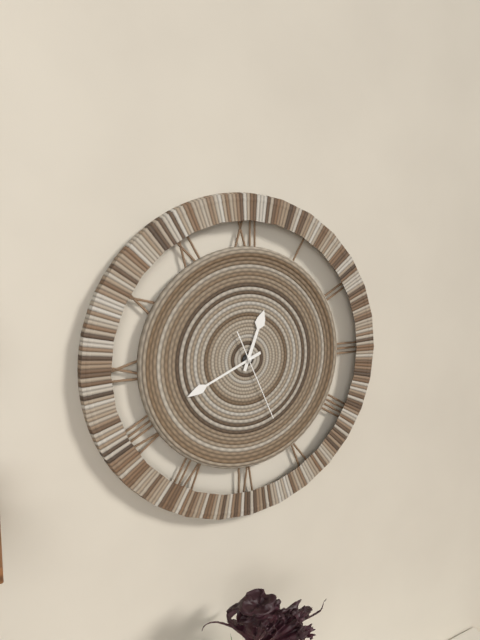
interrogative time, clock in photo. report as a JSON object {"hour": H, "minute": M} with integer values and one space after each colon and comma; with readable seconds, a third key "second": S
{"hour": 12, "minute": 41, "second": 26}
